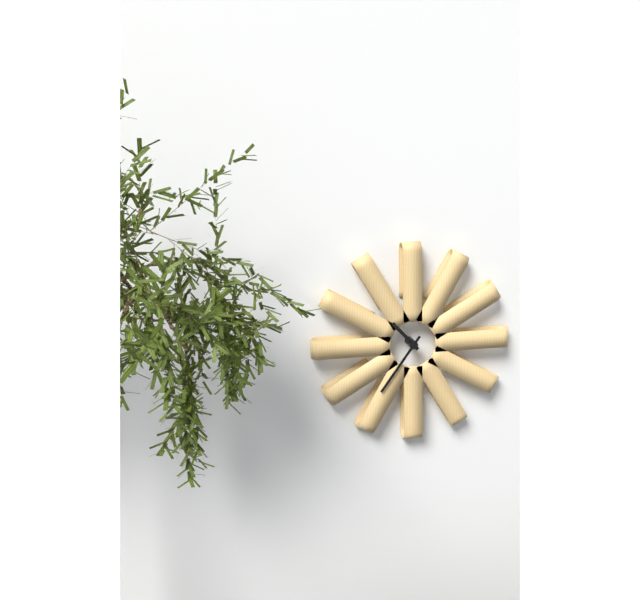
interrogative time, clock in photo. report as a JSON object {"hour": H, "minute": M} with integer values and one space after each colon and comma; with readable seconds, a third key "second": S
{"hour": 10, "minute": 36}
